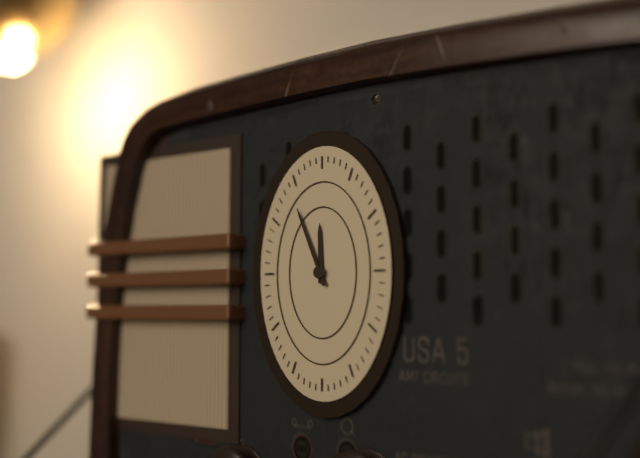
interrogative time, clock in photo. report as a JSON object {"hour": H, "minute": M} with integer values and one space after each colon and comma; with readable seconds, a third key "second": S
{"hour": 11, "minute": 56}
